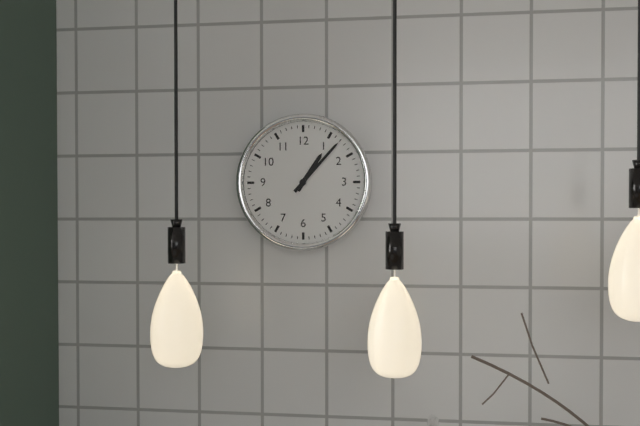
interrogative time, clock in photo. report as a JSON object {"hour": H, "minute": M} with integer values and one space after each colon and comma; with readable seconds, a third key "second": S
{"hour": 1, "minute": 7}
